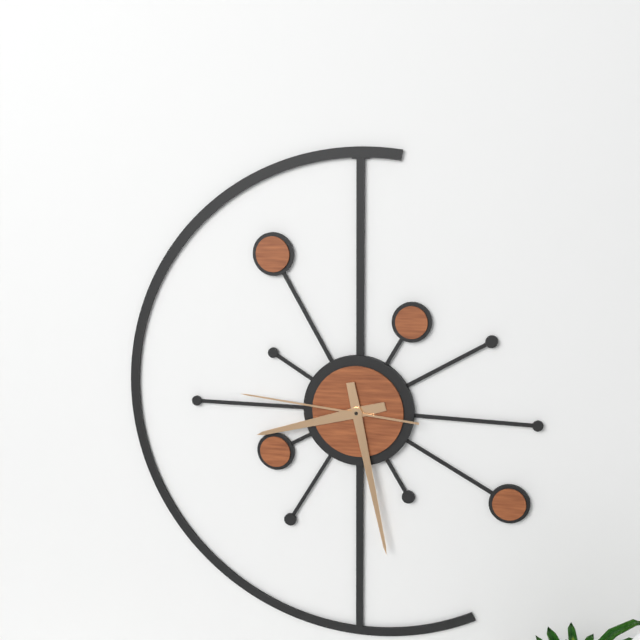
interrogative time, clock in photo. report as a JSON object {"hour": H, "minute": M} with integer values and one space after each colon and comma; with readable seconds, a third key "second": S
{"hour": 8, "minute": 28, "second": 46}
